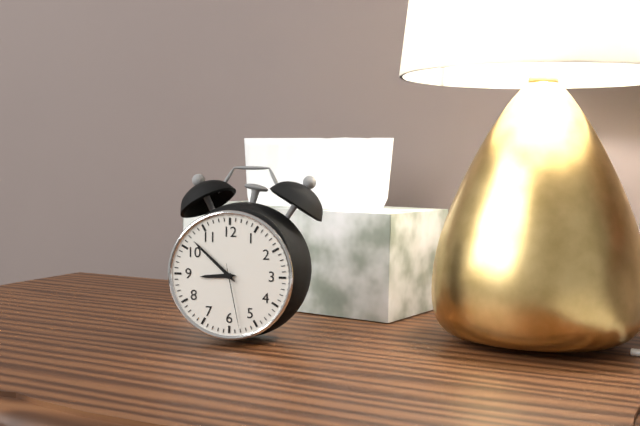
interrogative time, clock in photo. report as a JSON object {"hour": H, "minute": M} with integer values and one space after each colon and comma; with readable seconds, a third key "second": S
{"hour": 8, "minute": 52, "second": 28}
